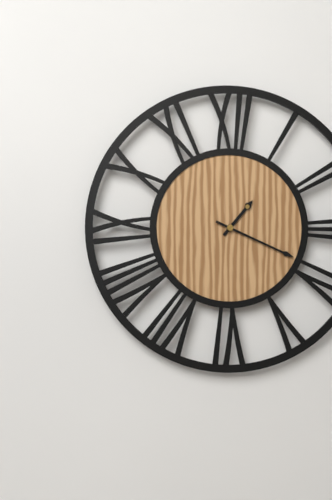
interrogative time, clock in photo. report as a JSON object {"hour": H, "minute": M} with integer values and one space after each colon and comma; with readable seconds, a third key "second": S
{"hour": 1, "minute": 19}
